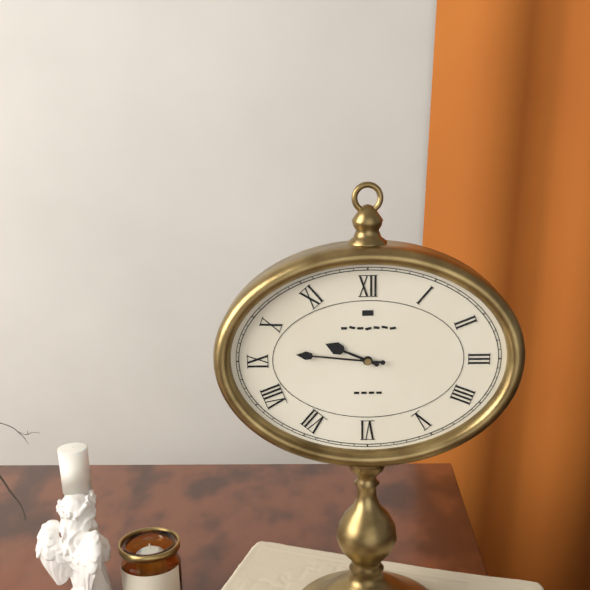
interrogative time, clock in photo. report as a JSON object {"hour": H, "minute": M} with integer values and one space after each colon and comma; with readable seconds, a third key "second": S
{"hour": 9, "minute": 46}
